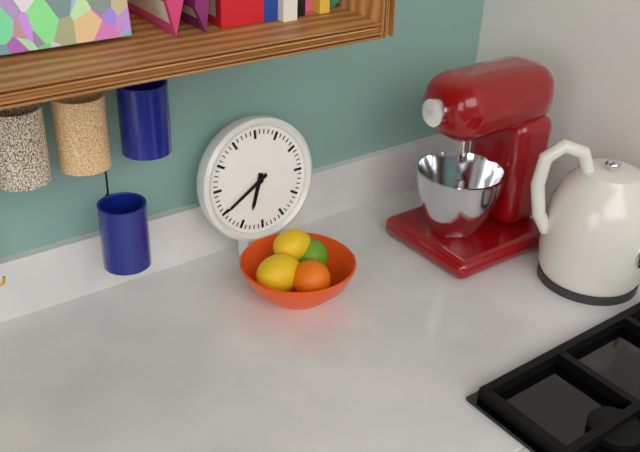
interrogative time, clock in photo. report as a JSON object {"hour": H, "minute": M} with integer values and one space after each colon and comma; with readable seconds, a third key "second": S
{"hour": 6, "minute": 40}
